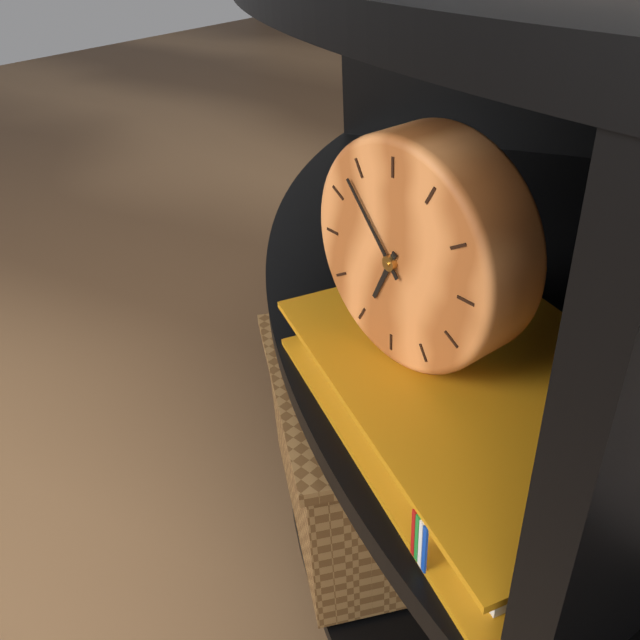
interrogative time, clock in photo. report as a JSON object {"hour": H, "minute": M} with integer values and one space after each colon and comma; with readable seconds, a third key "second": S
{"hour": 6, "minute": 53}
